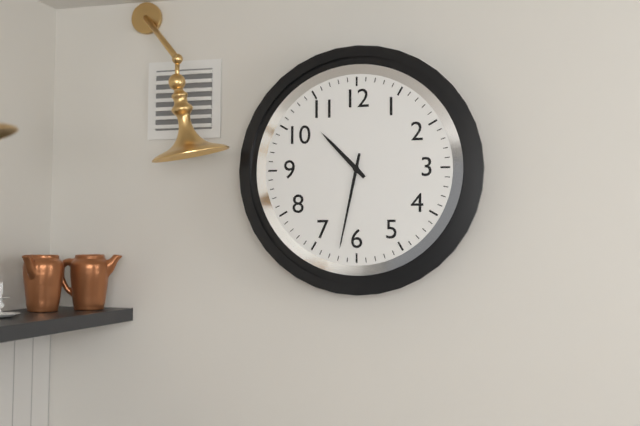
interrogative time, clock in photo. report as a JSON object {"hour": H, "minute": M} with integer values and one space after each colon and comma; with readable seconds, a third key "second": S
{"hour": 10, "minute": 32}
